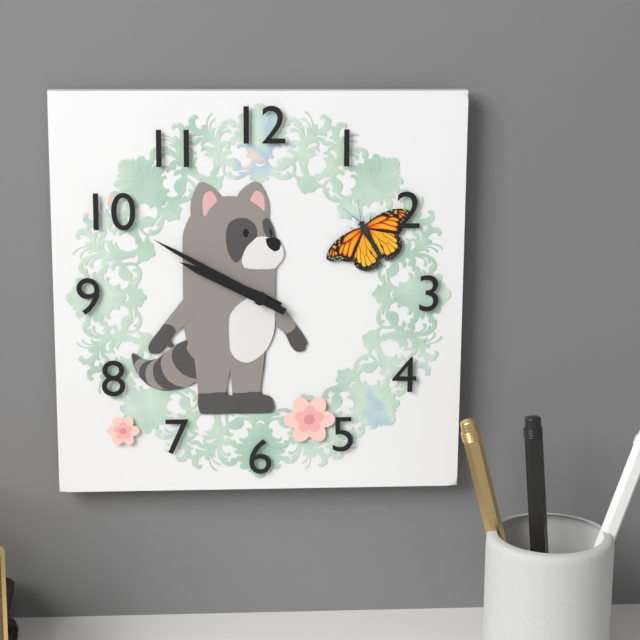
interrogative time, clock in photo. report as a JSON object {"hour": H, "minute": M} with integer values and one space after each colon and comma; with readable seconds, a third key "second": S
{"hour": 9, "minute": 50}
